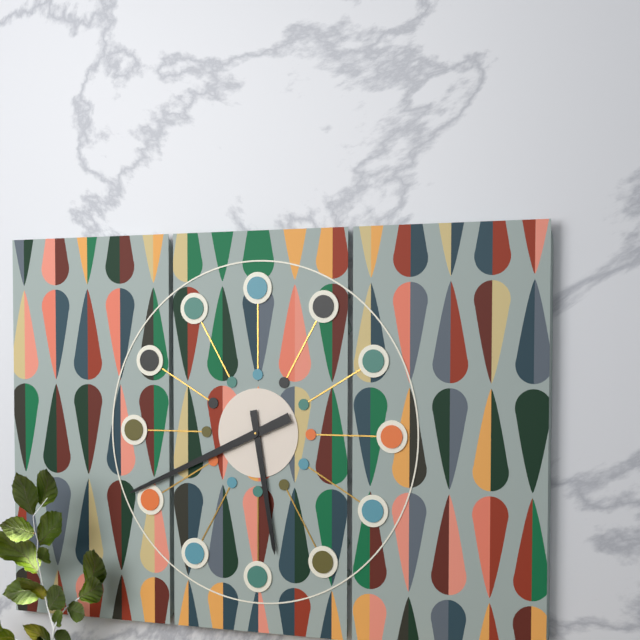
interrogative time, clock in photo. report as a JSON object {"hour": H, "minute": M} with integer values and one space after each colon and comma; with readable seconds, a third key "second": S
{"hour": 5, "minute": 41}
